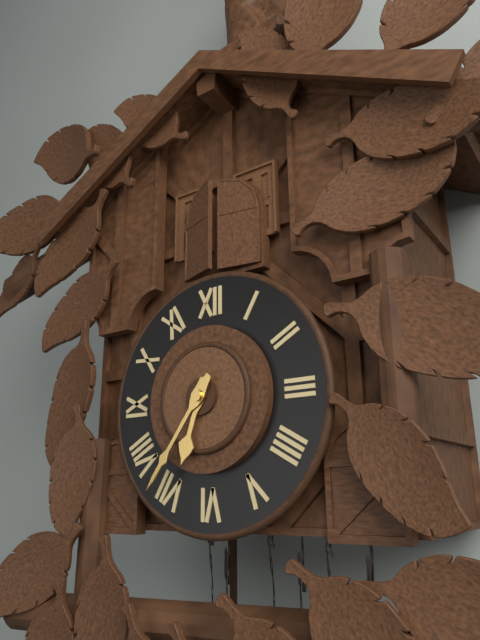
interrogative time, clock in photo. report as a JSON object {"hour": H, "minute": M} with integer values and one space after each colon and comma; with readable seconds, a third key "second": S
{"hour": 6, "minute": 36}
